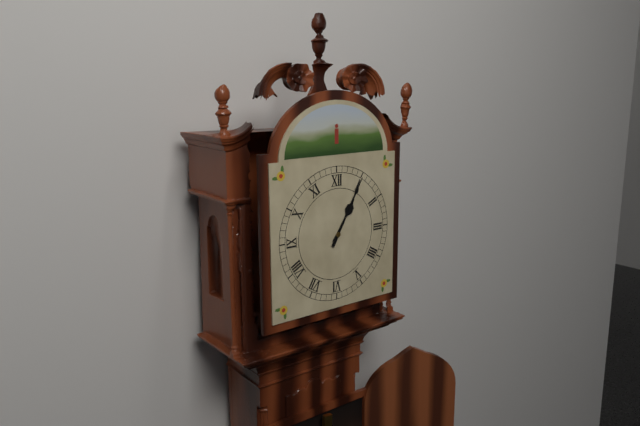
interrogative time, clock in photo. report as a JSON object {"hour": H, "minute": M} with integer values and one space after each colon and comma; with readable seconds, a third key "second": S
{"hour": 1, "minute": 5}
